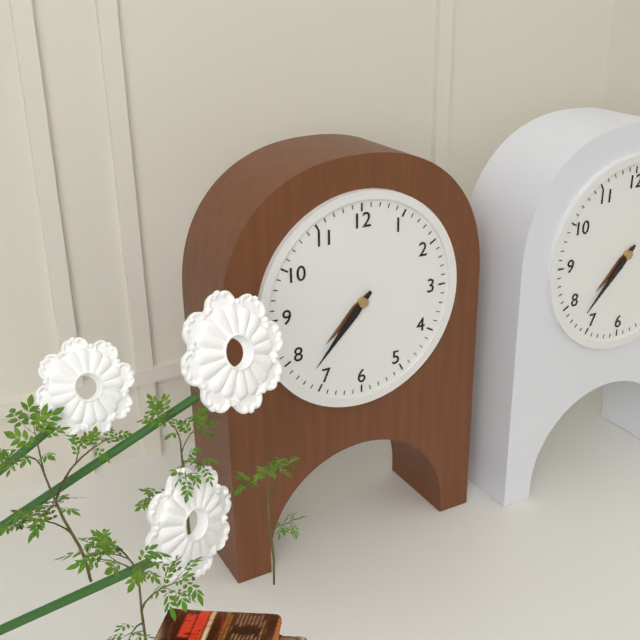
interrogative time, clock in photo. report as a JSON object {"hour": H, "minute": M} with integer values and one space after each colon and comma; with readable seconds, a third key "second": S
{"hour": 7, "minute": 37}
